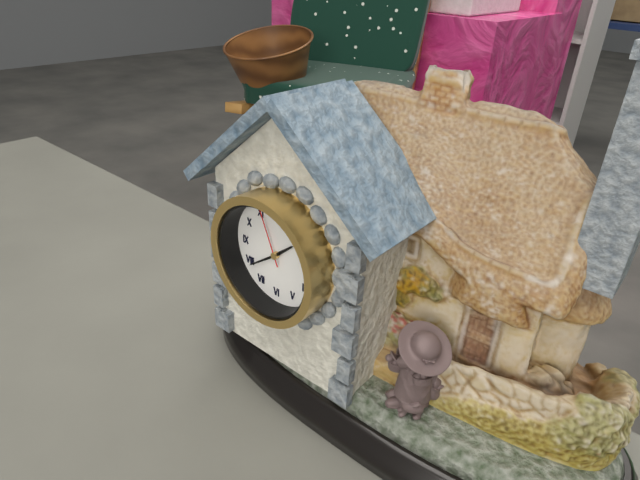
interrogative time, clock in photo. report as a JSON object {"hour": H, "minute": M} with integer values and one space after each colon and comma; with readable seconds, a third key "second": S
{"hour": 1, "minute": 39, "second": 56}
